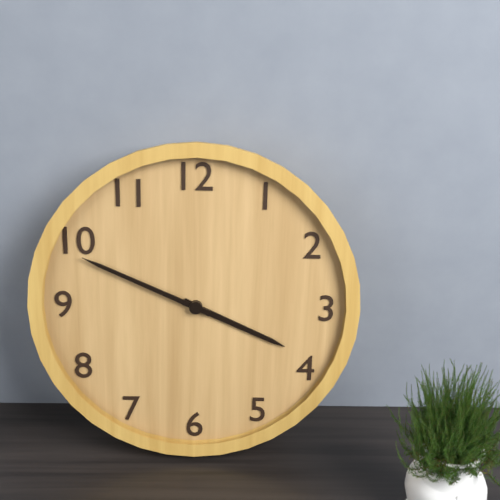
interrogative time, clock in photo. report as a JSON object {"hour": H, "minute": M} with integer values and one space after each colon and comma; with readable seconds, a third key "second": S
{"hour": 3, "minute": 49}
